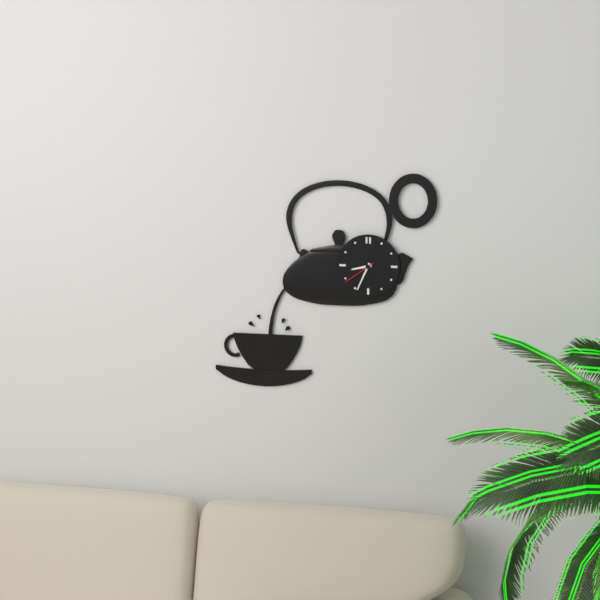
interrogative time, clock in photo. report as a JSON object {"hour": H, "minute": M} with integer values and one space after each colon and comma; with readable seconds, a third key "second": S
{"hour": 8, "minute": 34}
